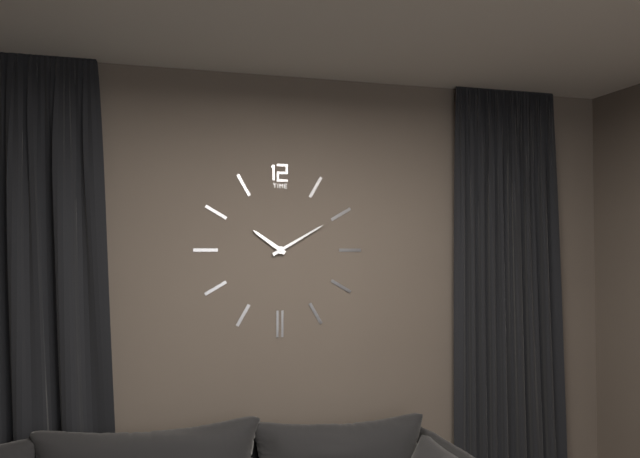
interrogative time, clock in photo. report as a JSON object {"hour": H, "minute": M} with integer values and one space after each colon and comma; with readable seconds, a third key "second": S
{"hour": 10, "minute": 10}
